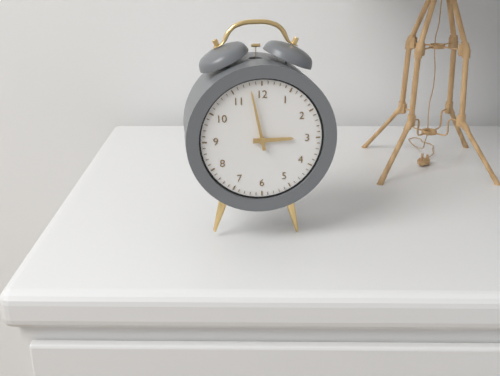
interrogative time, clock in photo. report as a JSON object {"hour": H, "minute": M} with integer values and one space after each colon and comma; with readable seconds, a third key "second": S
{"hour": 2, "minute": 58}
